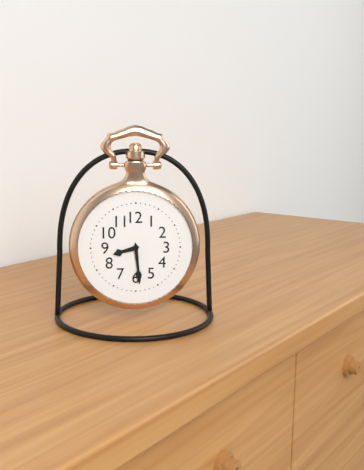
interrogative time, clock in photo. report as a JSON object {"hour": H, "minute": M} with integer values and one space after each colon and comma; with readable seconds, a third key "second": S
{"hour": 8, "minute": 29}
